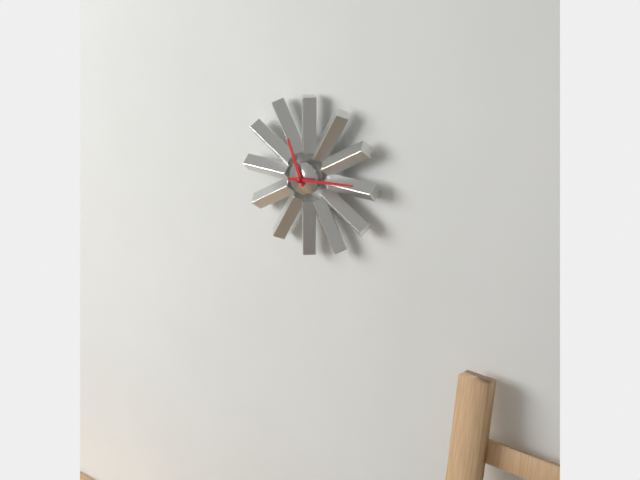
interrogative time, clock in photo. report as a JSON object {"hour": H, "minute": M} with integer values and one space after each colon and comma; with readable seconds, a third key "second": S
{"hour": 11, "minute": 14}
